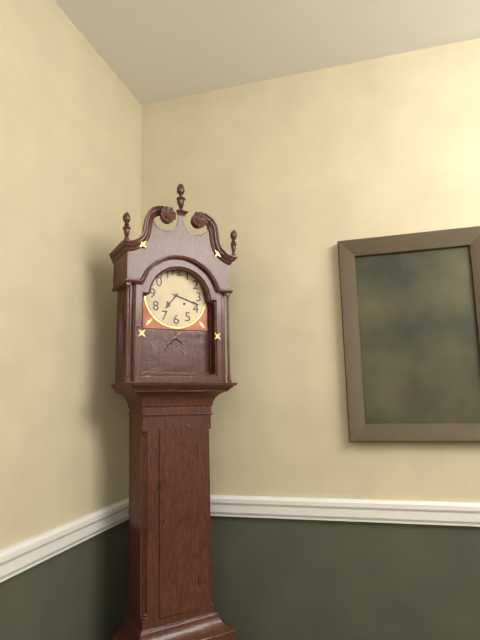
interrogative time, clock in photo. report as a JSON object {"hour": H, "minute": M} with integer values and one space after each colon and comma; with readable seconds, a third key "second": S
{"hour": 7, "minute": 18}
